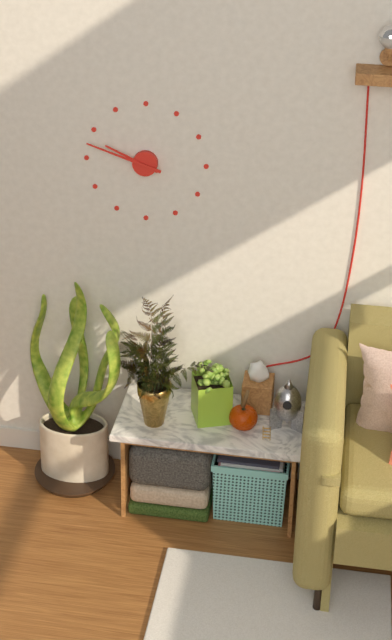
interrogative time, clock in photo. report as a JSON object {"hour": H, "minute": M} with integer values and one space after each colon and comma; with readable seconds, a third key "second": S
{"hour": 9, "minute": 48}
